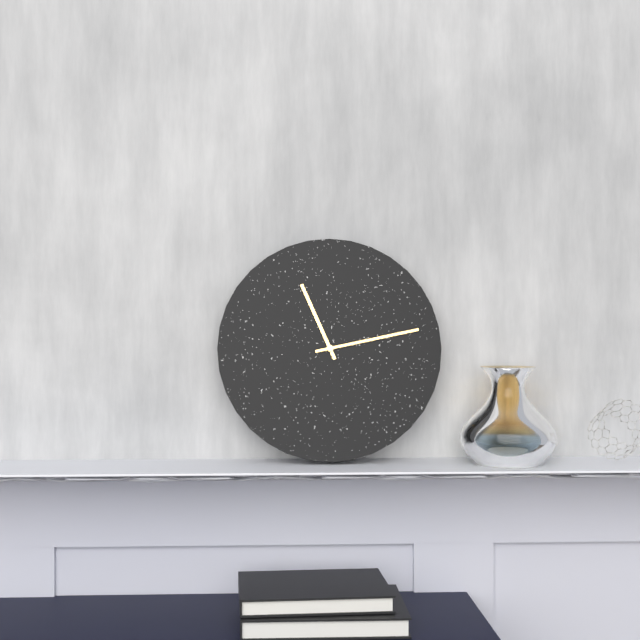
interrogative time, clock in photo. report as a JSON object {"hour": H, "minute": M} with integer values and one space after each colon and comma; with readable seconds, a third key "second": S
{"hour": 11, "minute": 13}
